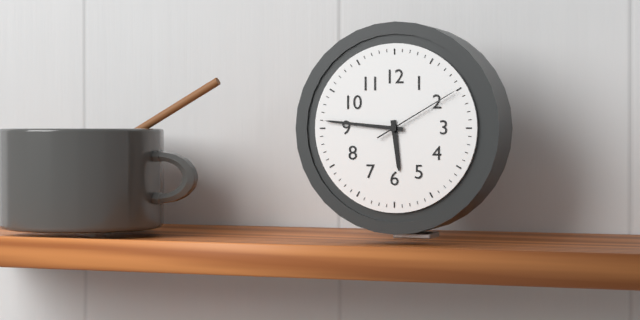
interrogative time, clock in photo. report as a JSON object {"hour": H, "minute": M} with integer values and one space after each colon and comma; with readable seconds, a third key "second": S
{"hour": 5, "minute": 46, "second": 10}
